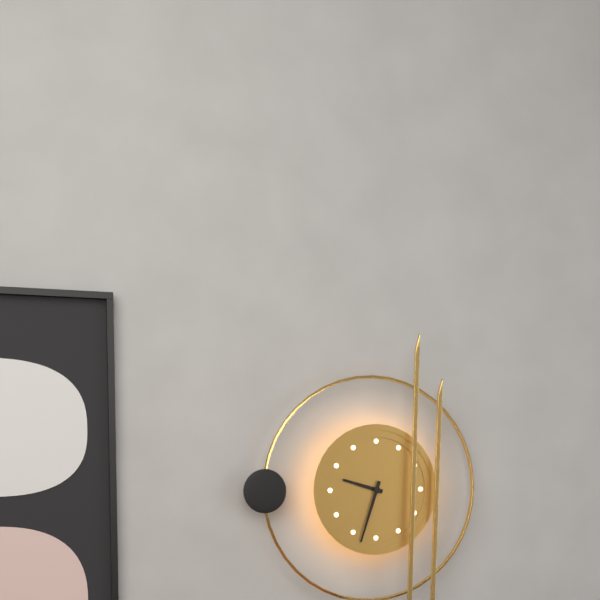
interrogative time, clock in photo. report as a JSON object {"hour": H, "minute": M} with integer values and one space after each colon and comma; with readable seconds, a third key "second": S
{"hour": 9, "minute": 33}
